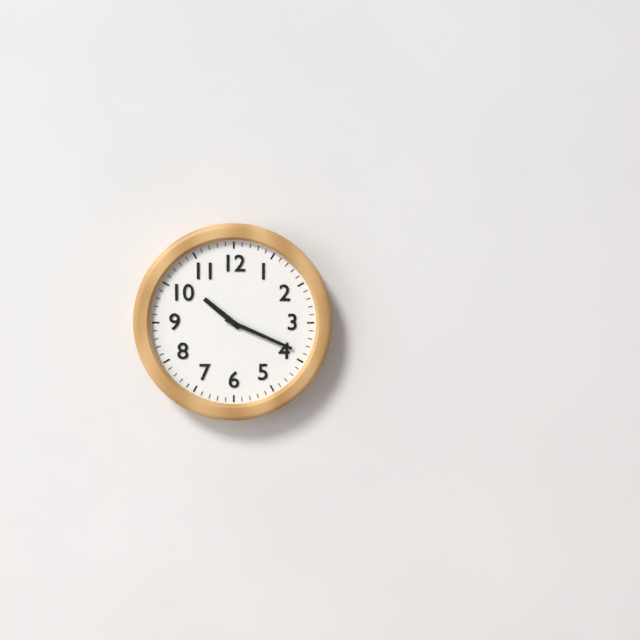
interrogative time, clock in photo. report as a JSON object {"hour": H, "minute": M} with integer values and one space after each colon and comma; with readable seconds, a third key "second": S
{"hour": 10, "minute": 19}
